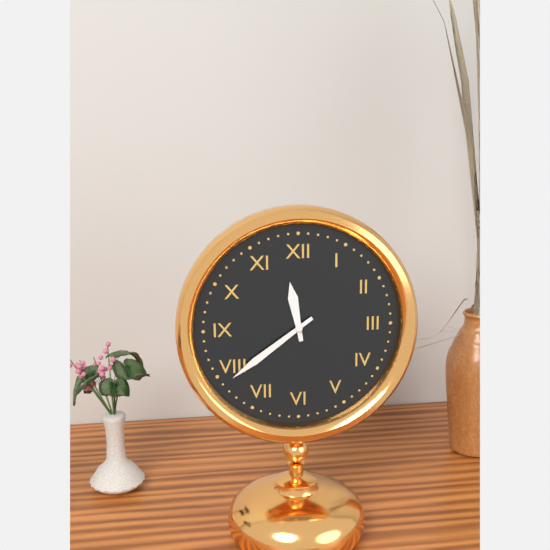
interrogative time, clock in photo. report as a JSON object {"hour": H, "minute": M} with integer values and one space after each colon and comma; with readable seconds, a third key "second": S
{"hour": 11, "minute": 39}
